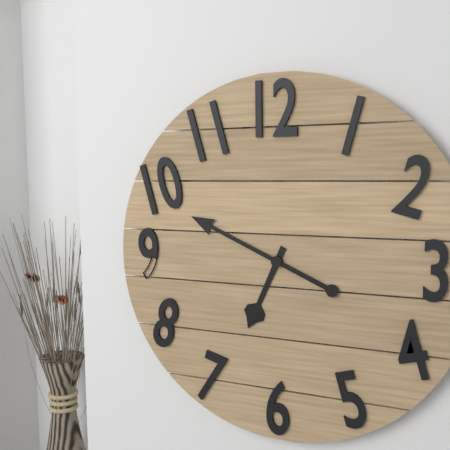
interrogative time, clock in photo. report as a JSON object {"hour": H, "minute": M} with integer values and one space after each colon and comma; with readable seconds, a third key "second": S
{"hour": 6, "minute": 49}
